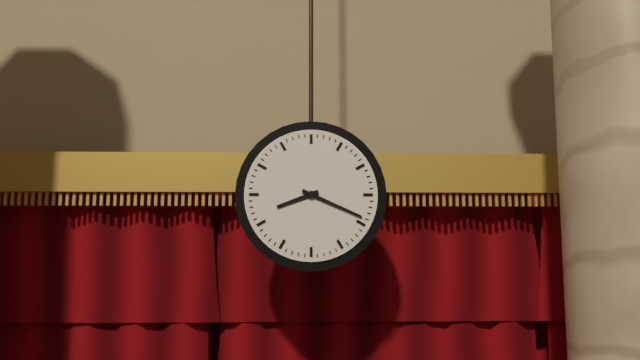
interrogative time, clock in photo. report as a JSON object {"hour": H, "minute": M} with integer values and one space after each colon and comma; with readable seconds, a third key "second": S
{"hour": 8, "minute": 19}
